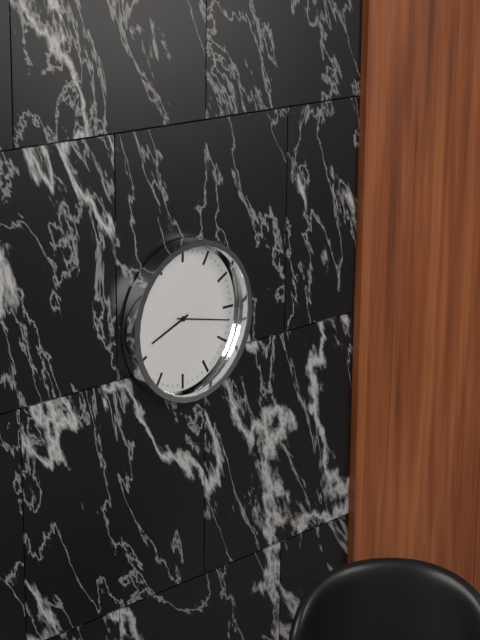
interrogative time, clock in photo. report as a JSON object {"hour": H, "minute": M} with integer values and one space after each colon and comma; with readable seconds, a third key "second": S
{"hour": 8, "minute": 17}
